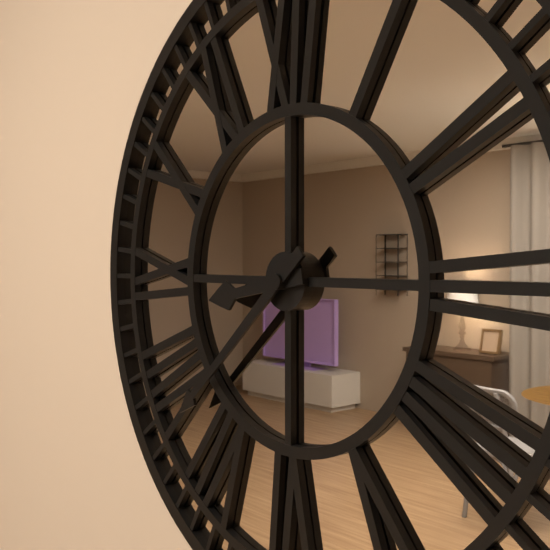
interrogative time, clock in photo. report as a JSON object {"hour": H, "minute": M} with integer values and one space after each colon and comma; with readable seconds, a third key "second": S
{"hour": 8, "minute": 38}
